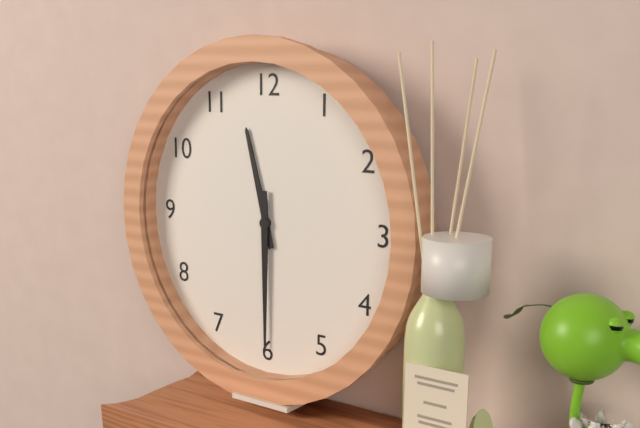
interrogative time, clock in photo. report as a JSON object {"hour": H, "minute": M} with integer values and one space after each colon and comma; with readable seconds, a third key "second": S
{"hour": 11, "minute": 30}
